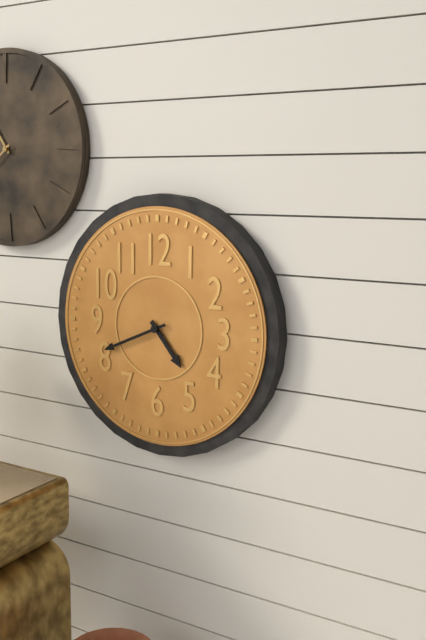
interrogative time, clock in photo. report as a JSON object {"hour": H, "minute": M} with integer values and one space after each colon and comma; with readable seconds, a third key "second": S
{"hour": 4, "minute": 41}
